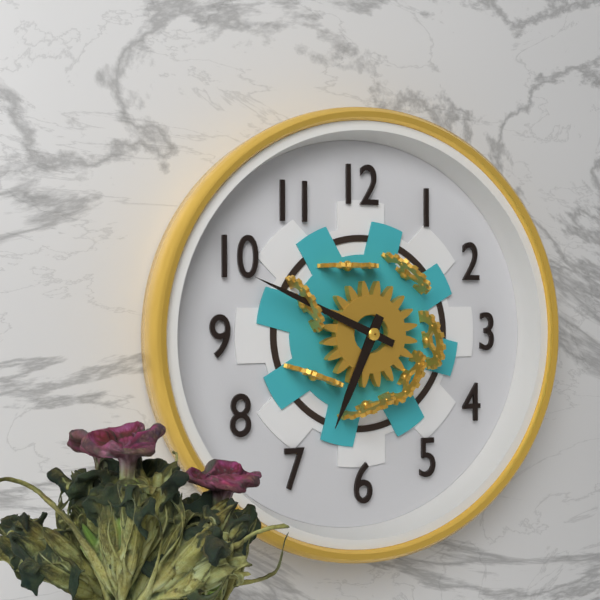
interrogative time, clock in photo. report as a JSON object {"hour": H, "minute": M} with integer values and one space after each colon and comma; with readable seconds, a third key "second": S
{"hour": 6, "minute": 49}
